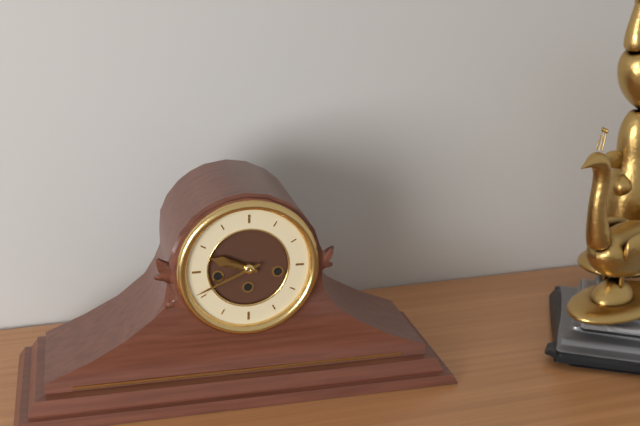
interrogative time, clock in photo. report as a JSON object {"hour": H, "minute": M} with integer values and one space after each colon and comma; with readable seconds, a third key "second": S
{"hour": 9, "minute": 41}
